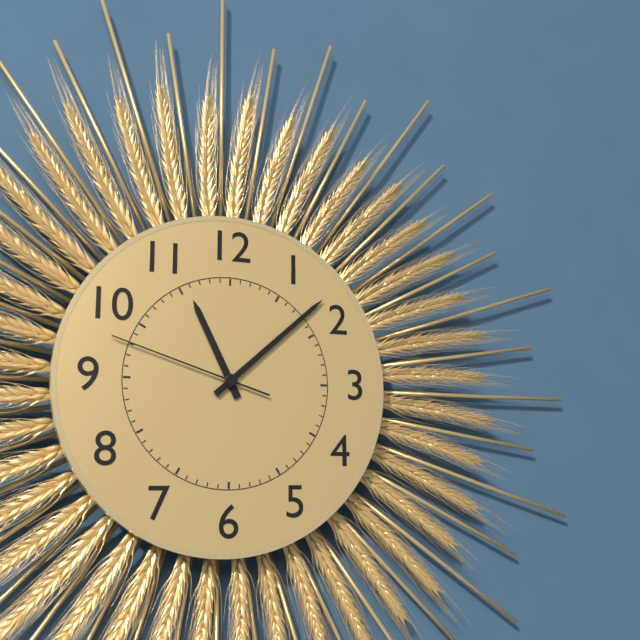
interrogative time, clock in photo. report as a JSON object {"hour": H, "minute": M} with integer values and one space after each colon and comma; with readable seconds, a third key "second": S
{"hour": 11, "minute": 8, "second": 48}
